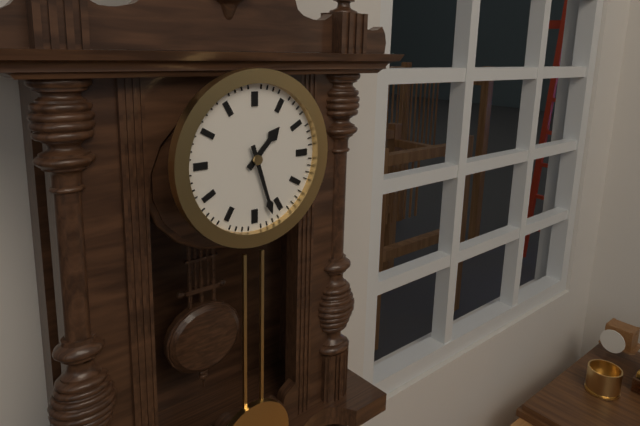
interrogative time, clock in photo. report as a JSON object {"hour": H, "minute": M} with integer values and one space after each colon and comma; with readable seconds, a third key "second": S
{"hour": 1, "minute": 27}
